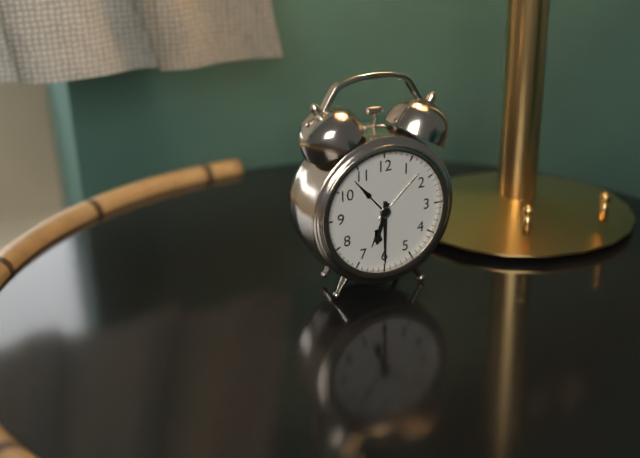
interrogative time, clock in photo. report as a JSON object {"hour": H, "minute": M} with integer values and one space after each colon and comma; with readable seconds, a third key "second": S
{"hour": 6, "minute": 30}
